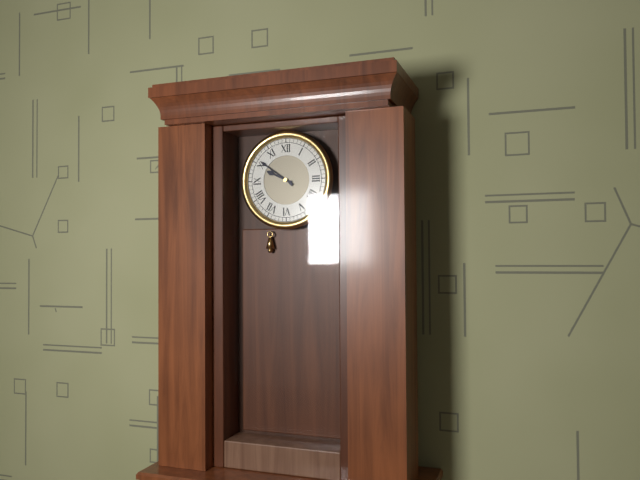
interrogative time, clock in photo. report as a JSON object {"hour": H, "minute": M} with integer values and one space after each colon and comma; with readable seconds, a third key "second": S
{"hour": 9, "minute": 51}
